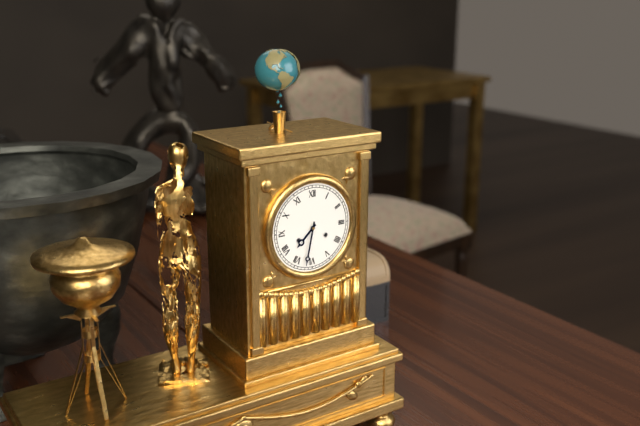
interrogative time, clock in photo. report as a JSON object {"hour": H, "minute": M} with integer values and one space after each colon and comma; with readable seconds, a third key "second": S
{"hour": 7, "minute": 32}
